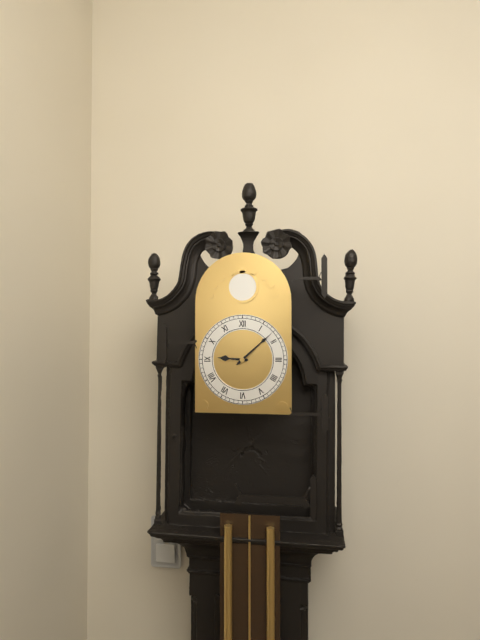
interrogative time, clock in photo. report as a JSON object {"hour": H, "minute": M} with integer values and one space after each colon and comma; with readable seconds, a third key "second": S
{"hour": 9, "minute": 8}
